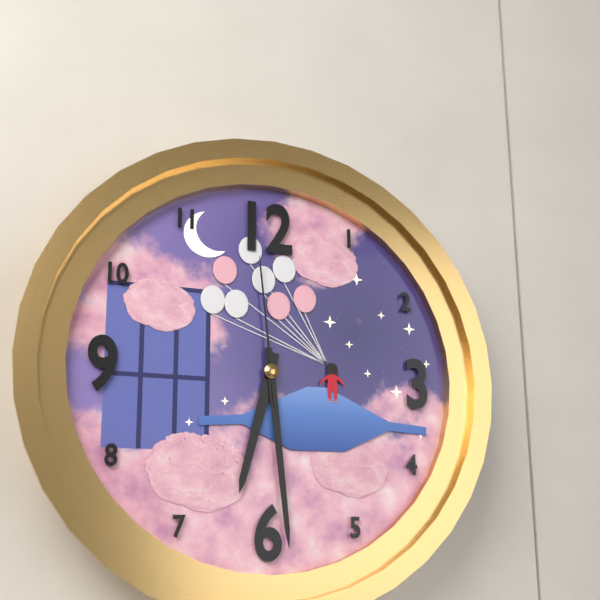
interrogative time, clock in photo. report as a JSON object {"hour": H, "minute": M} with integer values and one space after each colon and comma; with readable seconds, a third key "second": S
{"hour": 6, "minute": 29, "second": 59}
